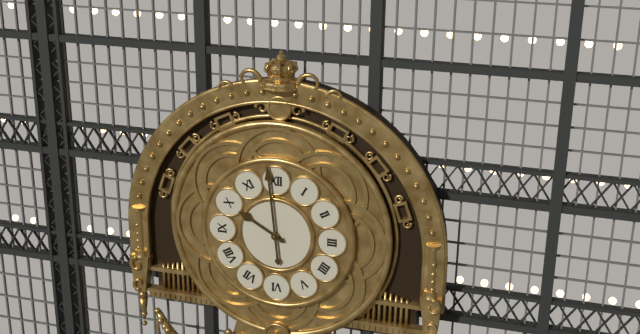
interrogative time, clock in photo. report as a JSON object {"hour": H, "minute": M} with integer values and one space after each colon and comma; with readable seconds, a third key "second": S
{"hour": 9, "minute": 59}
